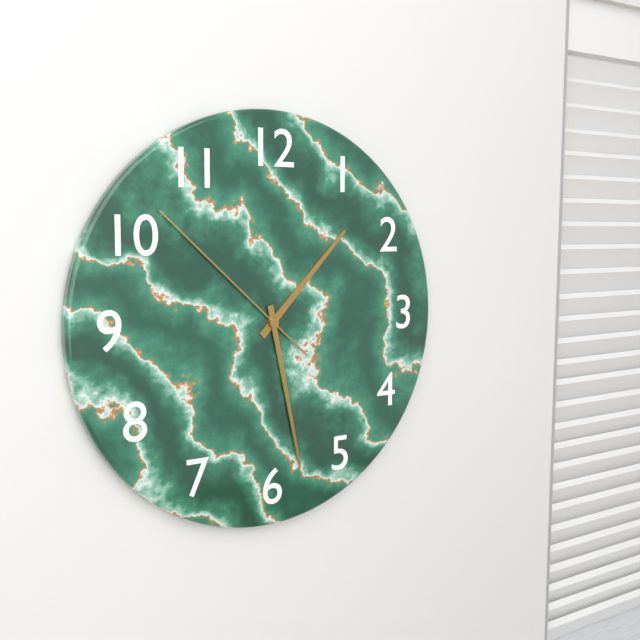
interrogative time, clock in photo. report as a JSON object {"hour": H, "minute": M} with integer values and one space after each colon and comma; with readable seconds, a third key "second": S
{"hour": 1, "minute": 28, "second": 52}
